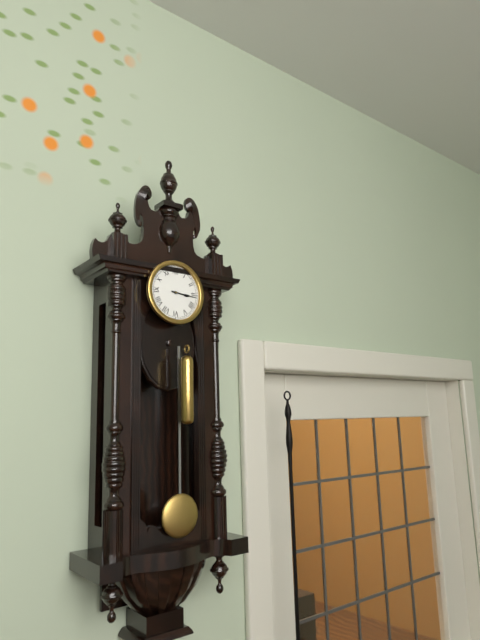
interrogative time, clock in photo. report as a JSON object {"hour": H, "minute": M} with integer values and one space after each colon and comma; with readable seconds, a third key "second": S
{"hour": 3, "minute": 16}
